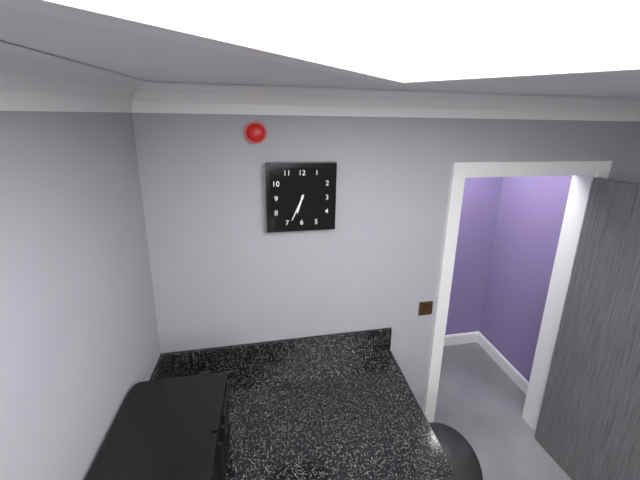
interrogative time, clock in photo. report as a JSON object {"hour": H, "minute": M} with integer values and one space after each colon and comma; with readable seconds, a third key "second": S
{"hour": 6, "minute": 34}
